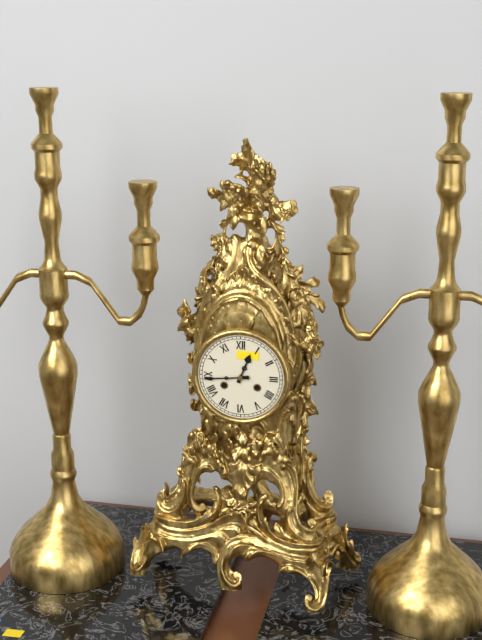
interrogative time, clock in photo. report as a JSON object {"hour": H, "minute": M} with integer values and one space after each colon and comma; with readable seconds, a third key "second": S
{"hour": 12, "minute": 44}
